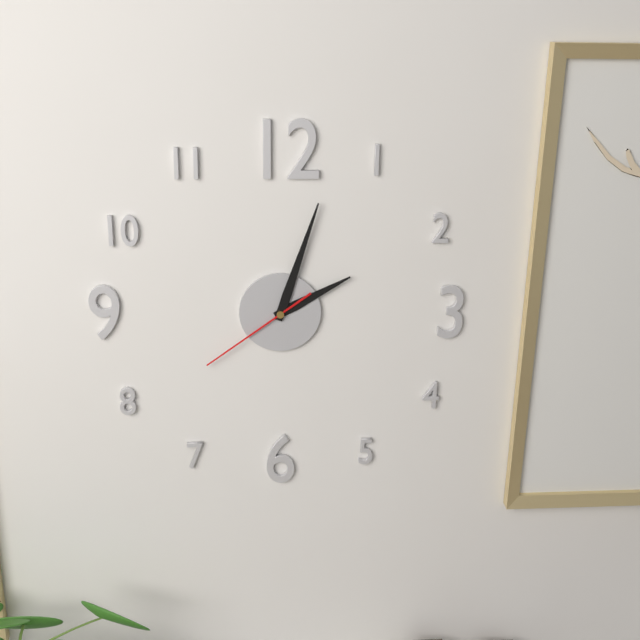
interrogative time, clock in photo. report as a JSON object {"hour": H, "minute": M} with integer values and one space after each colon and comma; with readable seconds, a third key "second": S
{"hour": 2, "minute": 3, "second": 39}
